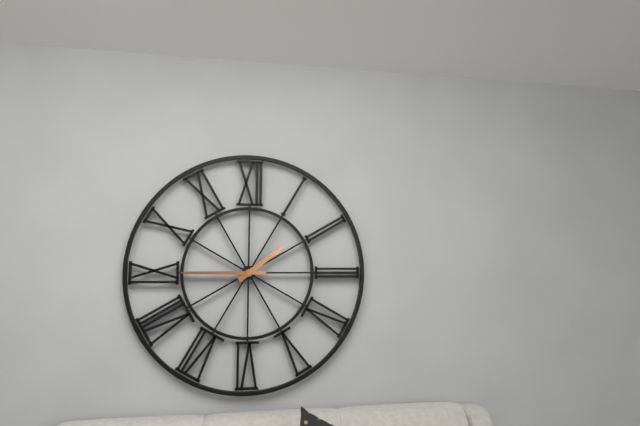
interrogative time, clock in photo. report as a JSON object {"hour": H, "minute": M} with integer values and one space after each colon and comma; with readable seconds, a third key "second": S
{"hour": 1, "minute": 45}
